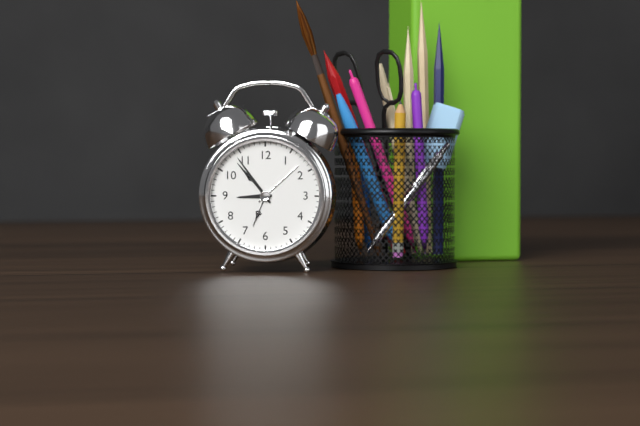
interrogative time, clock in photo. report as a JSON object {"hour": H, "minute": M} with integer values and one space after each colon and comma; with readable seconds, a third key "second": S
{"hour": 8, "minute": 54}
